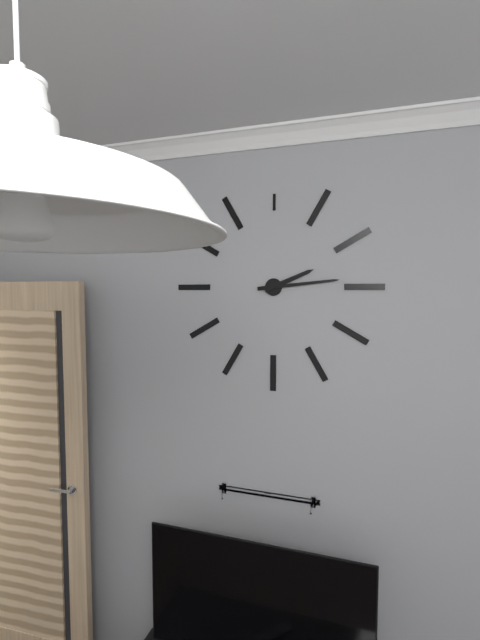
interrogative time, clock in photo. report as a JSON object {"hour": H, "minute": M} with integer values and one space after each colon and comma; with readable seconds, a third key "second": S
{"hour": 2, "minute": 14}
